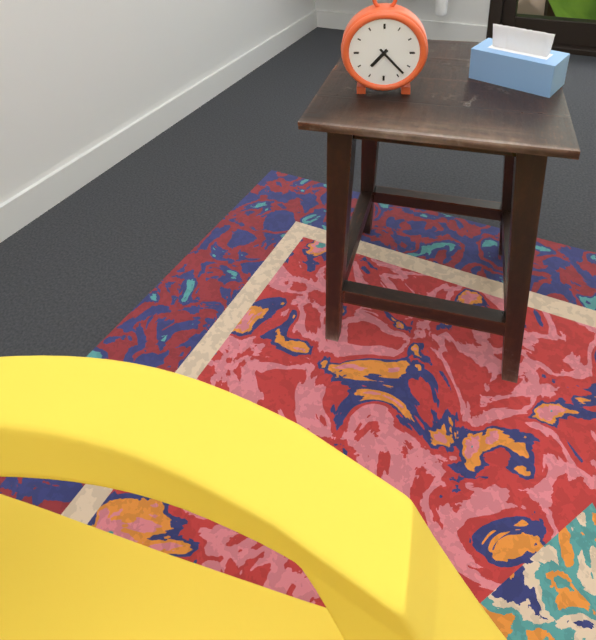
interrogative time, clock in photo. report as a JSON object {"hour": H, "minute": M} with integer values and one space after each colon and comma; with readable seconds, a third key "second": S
{"hour": 7, "minute": 23}
